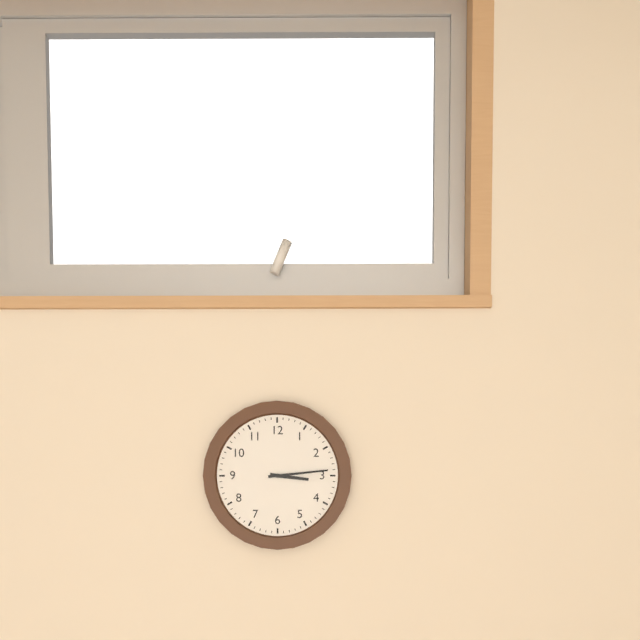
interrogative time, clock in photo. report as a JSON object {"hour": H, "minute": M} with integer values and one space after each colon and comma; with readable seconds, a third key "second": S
{"hour": 3, "minute": 14}
